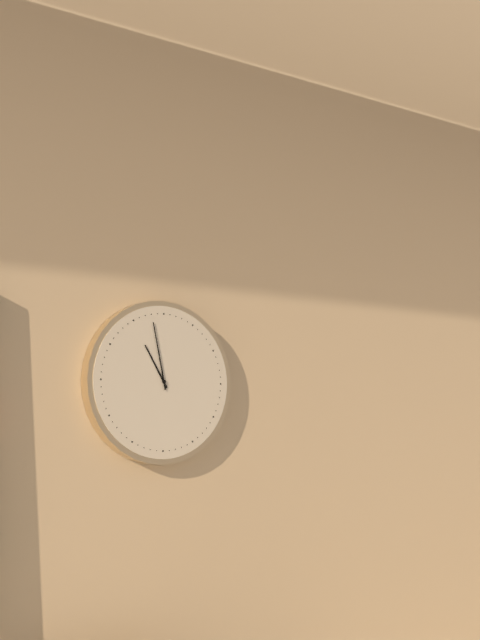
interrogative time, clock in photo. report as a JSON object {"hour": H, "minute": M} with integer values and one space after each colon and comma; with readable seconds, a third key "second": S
{"hour": 10, "minute": 58}
